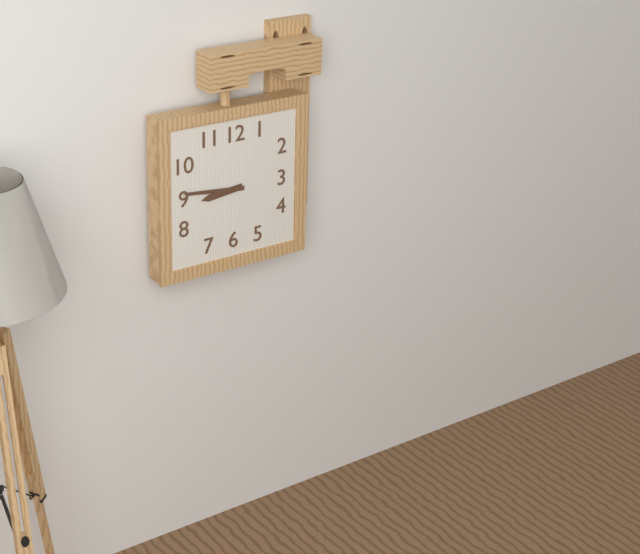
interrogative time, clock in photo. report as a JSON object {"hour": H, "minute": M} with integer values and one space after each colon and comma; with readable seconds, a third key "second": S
{"hour": 8, "minute": 46}
